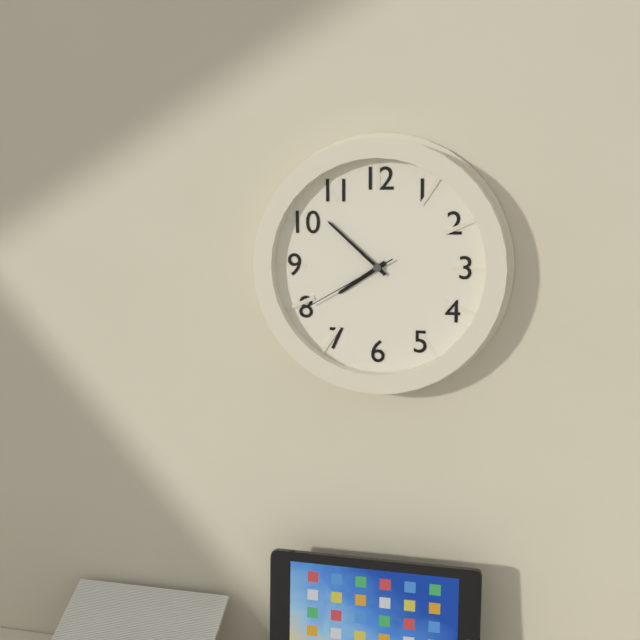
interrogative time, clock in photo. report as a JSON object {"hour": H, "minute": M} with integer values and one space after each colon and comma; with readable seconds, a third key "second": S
{"hour": 7, "minute": 52, "second": 40}
